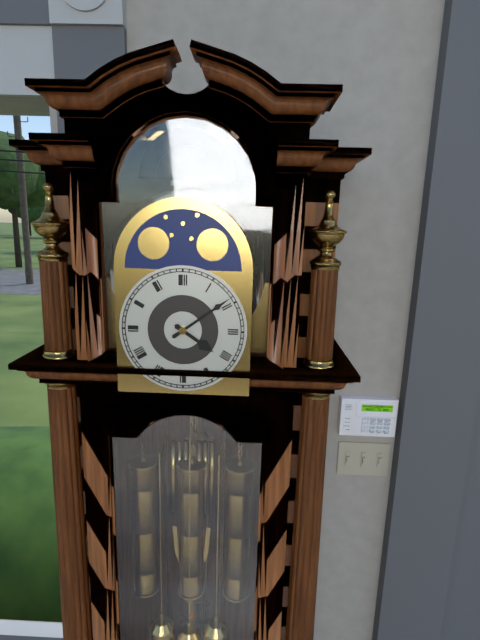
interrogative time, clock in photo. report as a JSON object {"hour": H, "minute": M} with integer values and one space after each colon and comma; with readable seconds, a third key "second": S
{"hour": 4, "minute": 9}
